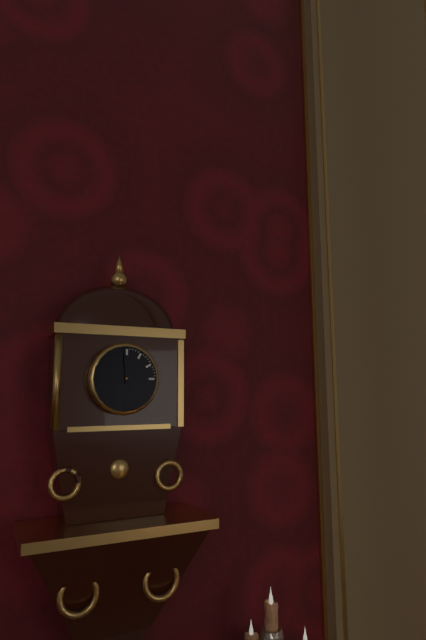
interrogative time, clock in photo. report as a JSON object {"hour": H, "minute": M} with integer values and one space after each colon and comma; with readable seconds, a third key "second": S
{"hour": 11, "minute": 59}
